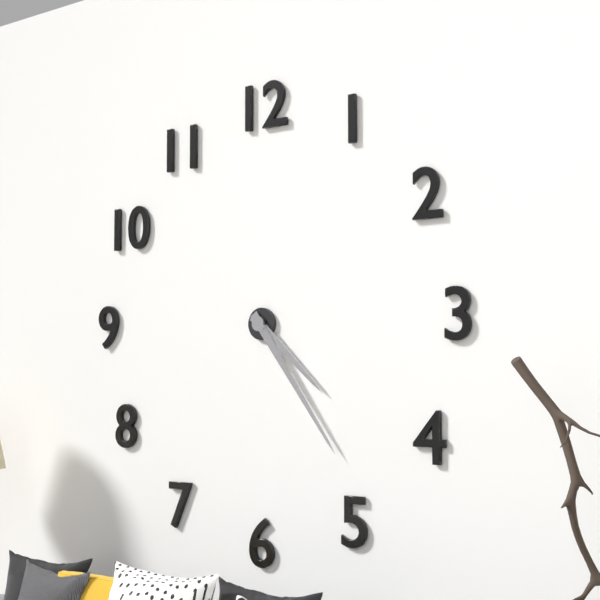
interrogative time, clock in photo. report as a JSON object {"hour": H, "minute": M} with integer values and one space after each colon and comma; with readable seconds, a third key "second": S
{"hour": 4, "minute": 24}
